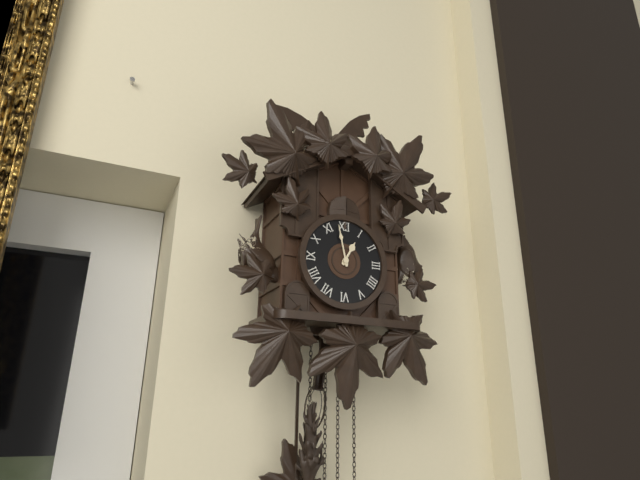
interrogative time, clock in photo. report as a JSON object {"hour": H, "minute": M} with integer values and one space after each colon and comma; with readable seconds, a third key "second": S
{"hour": 12, "minute": 58}
